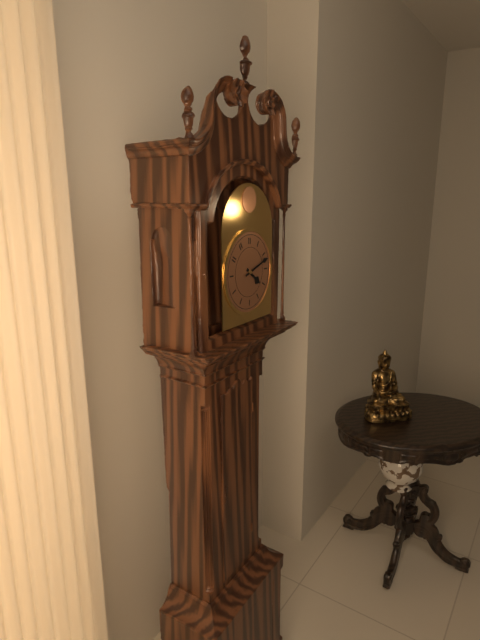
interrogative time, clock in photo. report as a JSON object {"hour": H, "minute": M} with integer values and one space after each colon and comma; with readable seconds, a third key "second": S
{"hour": 4, "minute": 12}
